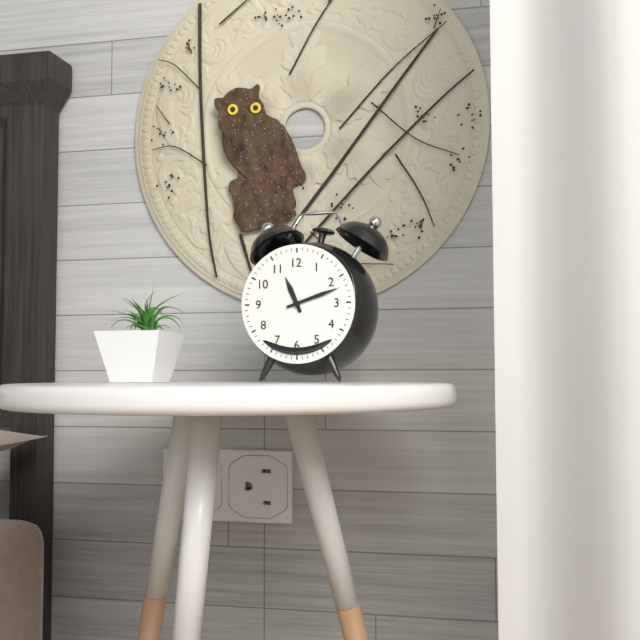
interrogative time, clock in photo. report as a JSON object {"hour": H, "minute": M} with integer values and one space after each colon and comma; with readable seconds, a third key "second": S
{"hour": 11, "minute": 12}
